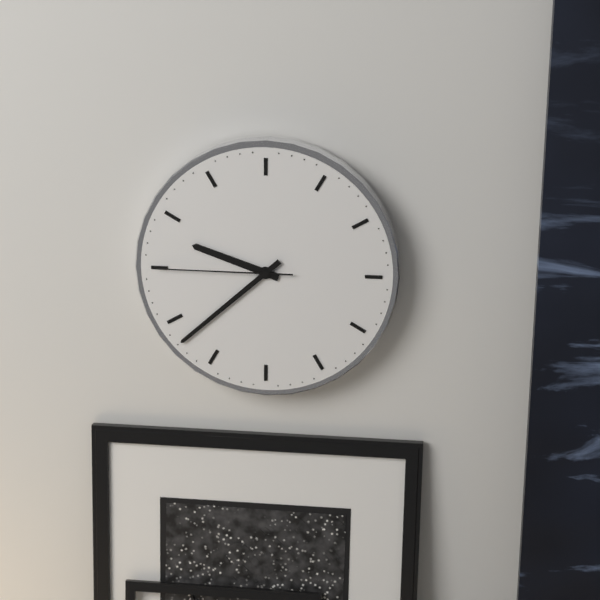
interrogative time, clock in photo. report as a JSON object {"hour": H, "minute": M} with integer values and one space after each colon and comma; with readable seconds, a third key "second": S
{"hour": 9, "minute": 38, "second": 45}
